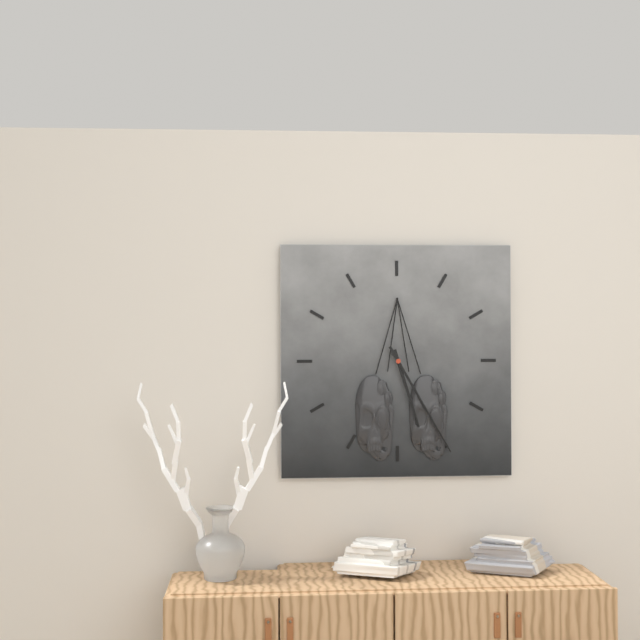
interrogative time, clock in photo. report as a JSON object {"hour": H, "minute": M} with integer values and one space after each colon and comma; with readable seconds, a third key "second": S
{"hour": 5, "minute": 25}
